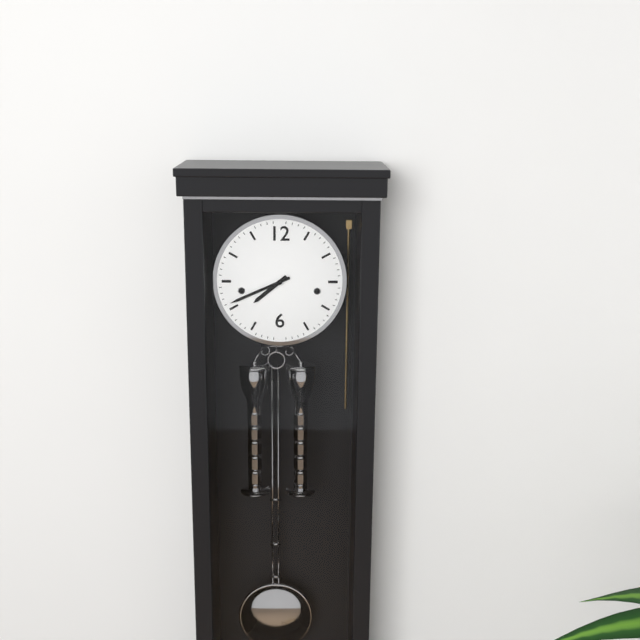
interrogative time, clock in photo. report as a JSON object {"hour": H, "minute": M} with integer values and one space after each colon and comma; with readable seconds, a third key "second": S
{"hour": 7, "minute": 41}
